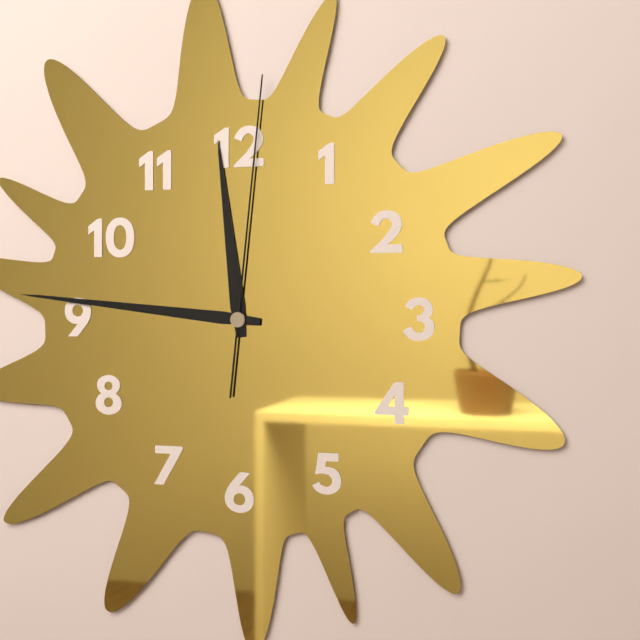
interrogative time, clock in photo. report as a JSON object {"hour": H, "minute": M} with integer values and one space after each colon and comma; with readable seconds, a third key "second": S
{"hour": 11, "minute": 46, "second": 1}
